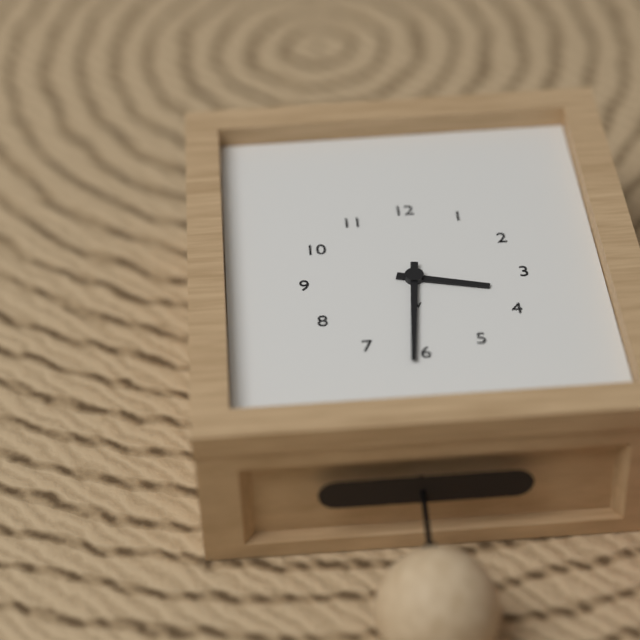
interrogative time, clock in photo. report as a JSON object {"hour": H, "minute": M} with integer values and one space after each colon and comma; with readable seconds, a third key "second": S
{"hour": 3, "minute": 31}
